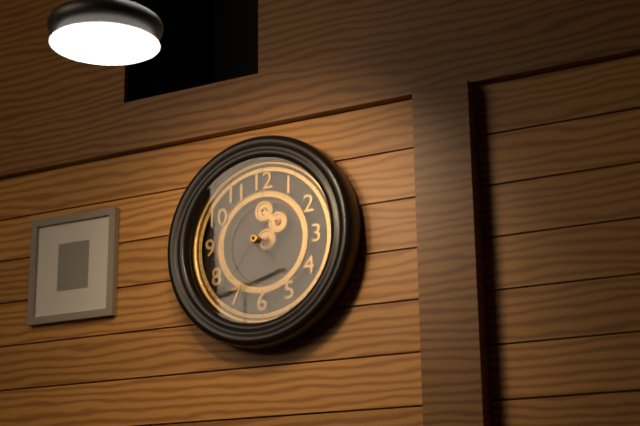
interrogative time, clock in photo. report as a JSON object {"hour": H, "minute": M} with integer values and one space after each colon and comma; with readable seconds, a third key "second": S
{"hour": 9, "minute": 27}
